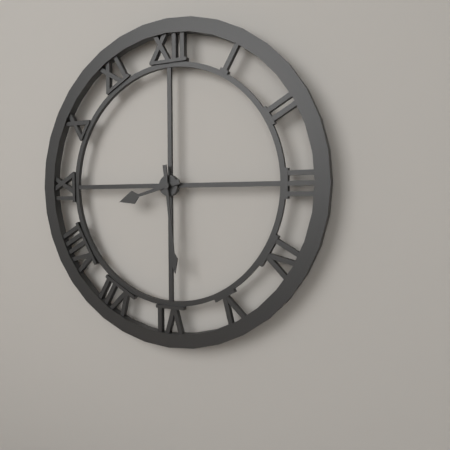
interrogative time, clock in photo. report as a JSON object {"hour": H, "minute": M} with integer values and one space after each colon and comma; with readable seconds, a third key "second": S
{"hour": 8, "minute": 29}
